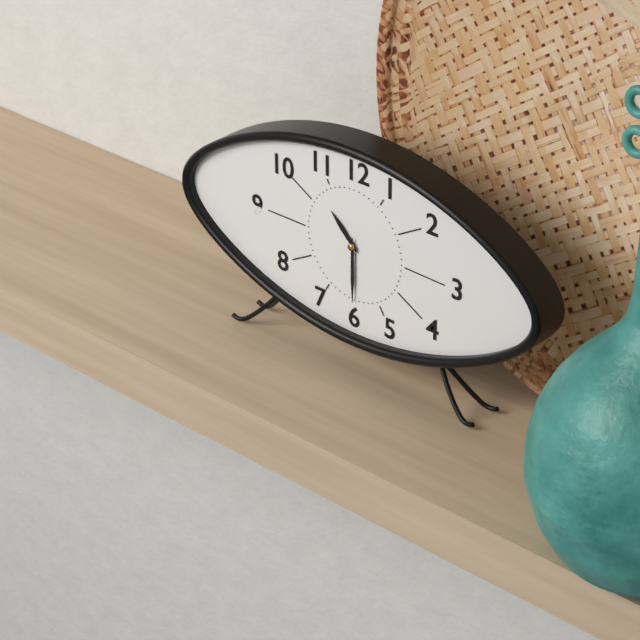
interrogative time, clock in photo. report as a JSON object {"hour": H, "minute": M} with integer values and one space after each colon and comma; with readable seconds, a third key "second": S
{"hour": 10, "minute": 30}
